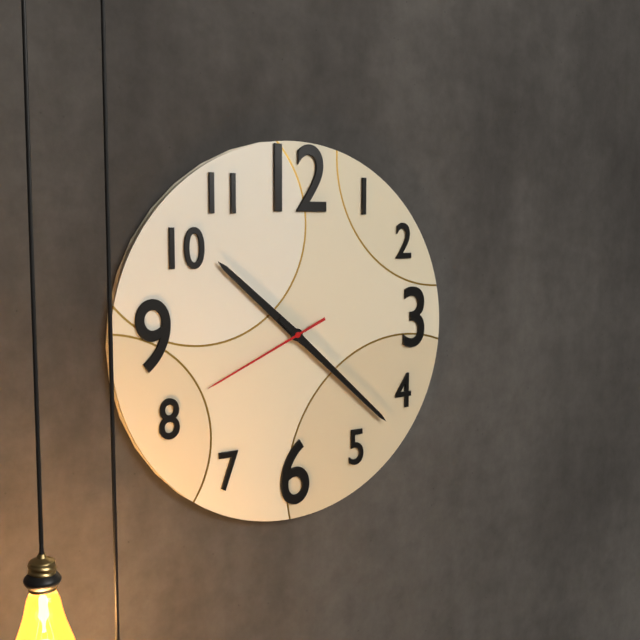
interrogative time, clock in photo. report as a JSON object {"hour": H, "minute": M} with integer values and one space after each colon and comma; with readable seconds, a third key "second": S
{"hour": 10, "minute": 22, "second": 41}
